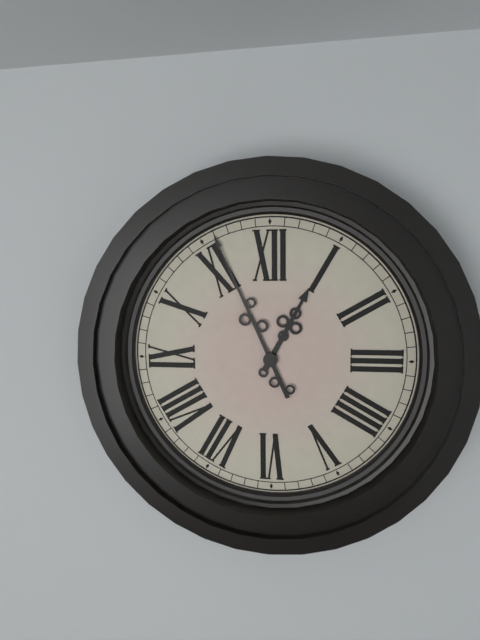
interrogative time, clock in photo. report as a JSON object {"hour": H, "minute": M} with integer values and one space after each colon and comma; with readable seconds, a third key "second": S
{"hour": 12, "minute": 56}
